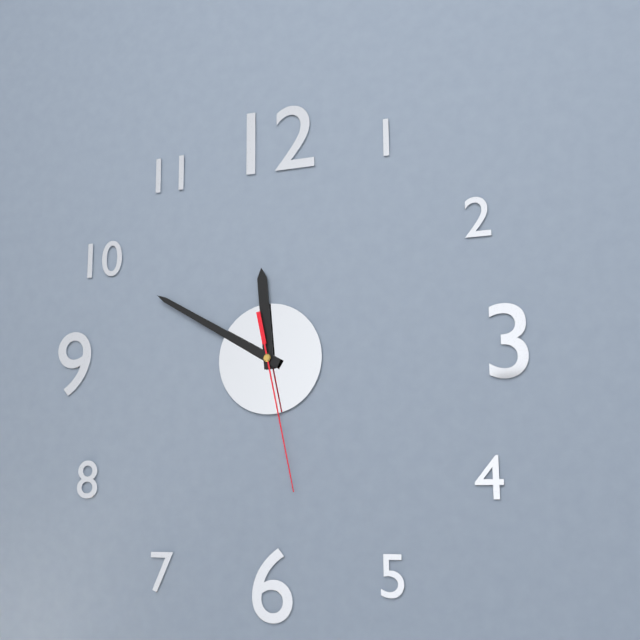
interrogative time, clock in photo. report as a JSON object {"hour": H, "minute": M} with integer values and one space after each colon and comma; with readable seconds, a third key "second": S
{"hour": 11, "minute": 50, "second": 28}
